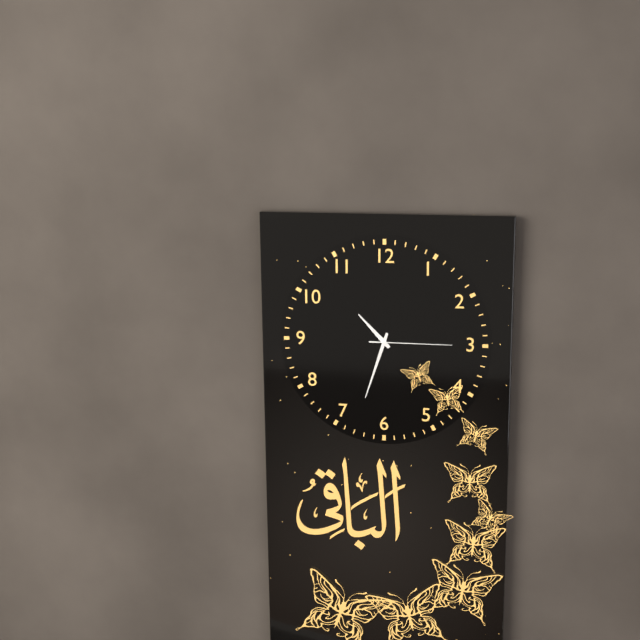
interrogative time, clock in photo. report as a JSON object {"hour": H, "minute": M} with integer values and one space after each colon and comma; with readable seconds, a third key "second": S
{"hour": 10, "minute": 33, "second": 15}
